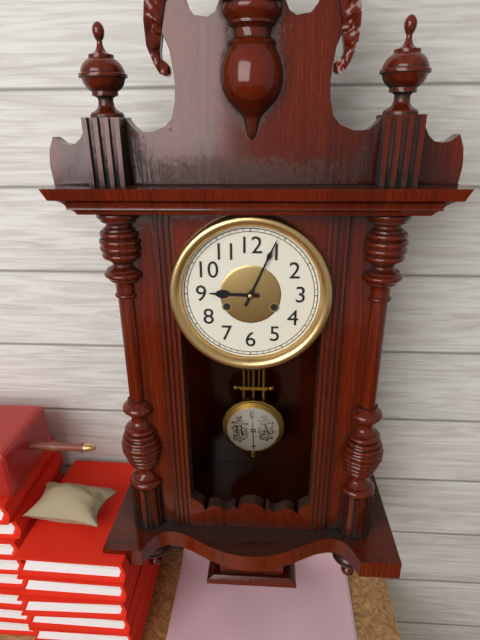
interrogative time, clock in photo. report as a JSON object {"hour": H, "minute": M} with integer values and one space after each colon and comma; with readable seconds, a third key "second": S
{"hour": 9, "minute": 4}
